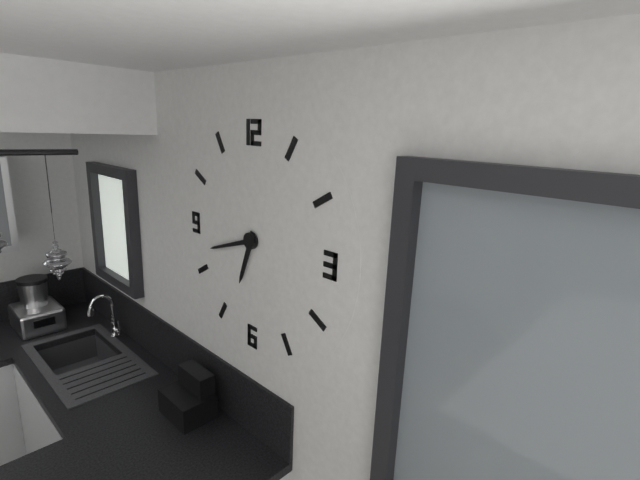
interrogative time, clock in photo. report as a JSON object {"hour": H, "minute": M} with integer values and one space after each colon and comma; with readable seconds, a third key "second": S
{"hour": 6, "minute": 42}
